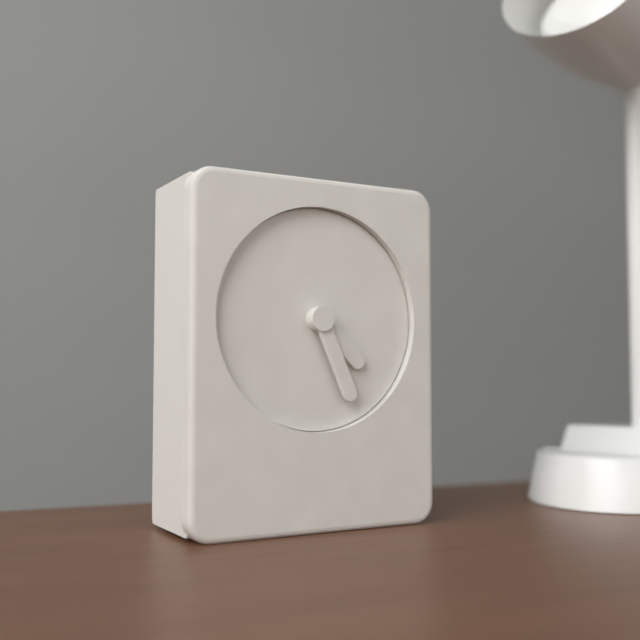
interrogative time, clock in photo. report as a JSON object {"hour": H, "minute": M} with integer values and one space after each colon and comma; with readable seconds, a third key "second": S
{"hour": 4, "minute": 26}
